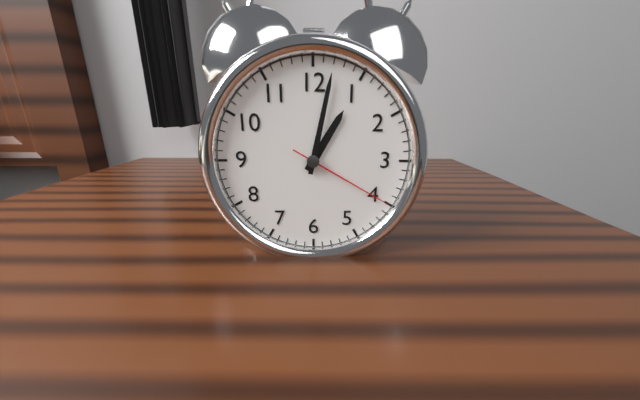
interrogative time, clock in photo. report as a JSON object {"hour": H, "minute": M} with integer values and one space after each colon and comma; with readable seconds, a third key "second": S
{"hour": 1, "minute": 2, "second": 20}
